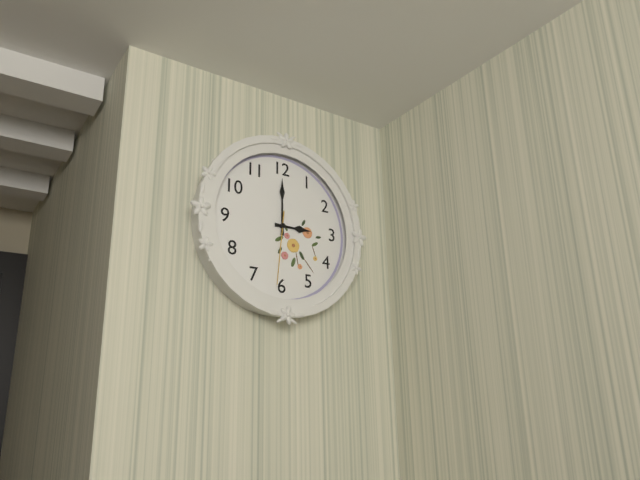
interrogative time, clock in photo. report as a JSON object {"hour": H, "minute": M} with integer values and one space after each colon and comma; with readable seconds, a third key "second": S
{"hour": 3, "minute": 0, "second": 31}
